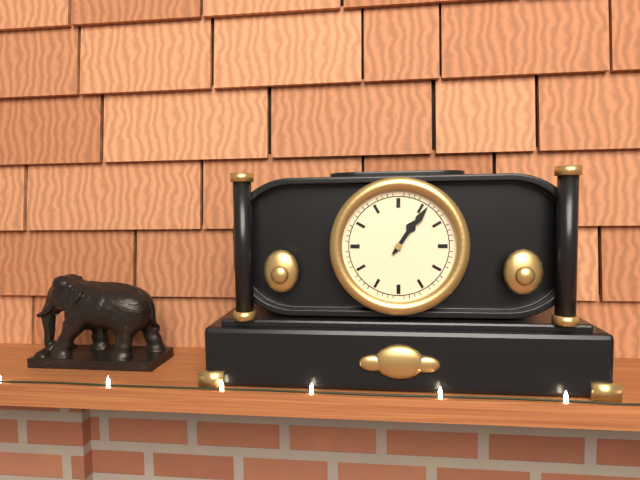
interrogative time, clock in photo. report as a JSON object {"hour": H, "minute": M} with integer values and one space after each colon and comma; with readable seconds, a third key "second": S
{"hour": 1, "minute": 6}
